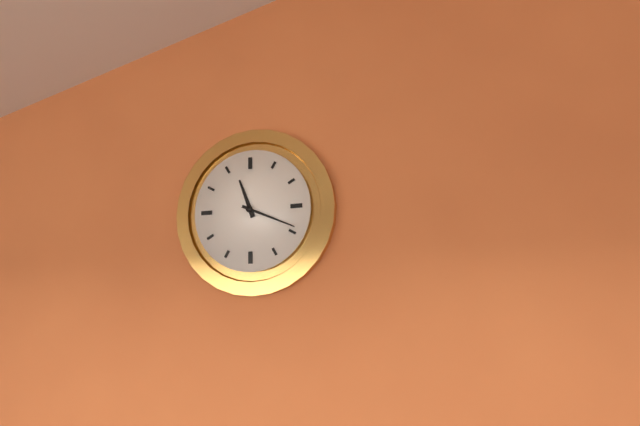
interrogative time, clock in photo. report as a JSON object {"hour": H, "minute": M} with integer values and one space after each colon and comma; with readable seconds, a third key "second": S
{"hour": 11, "minute": 19}
